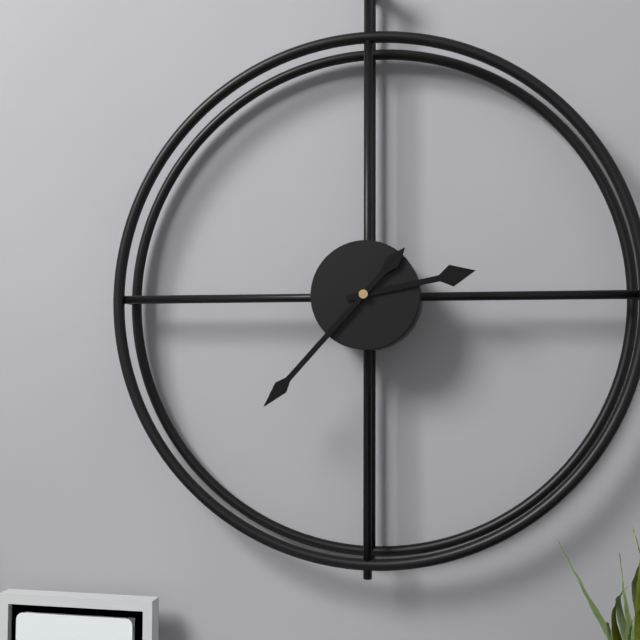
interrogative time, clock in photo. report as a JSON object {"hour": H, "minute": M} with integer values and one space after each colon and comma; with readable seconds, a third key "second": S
{"hour": 2, "minute": 37}
